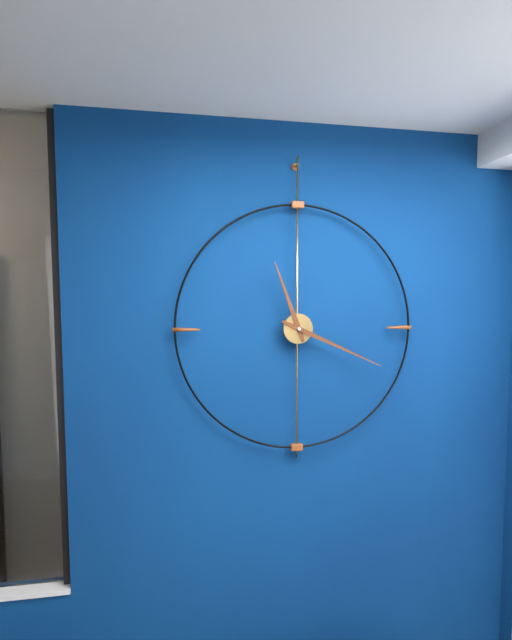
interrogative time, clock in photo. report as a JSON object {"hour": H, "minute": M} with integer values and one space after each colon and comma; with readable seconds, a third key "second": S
{"hour": 11, "minute": 19}
